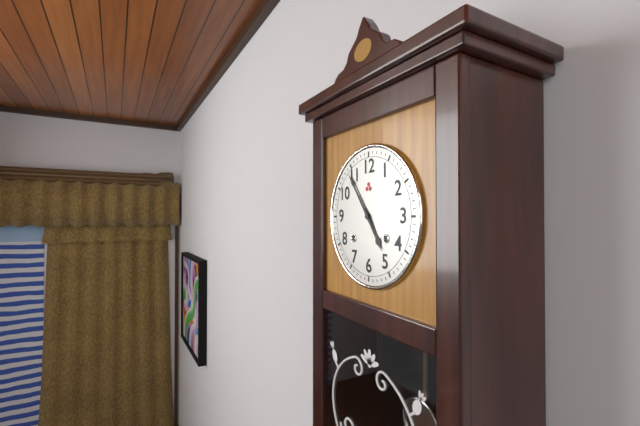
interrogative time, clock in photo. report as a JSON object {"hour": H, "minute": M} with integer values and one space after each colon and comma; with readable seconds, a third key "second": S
{"hour": 4, "minute": 54}
